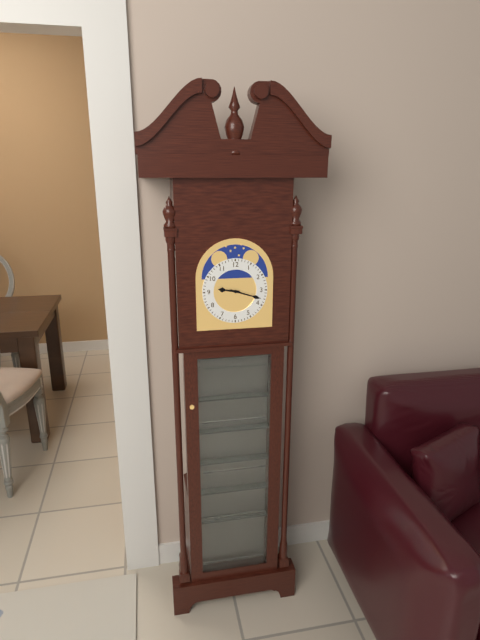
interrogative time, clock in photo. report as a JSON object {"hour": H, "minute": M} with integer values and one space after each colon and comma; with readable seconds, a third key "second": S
{"hour": 9, "minute": 18}
